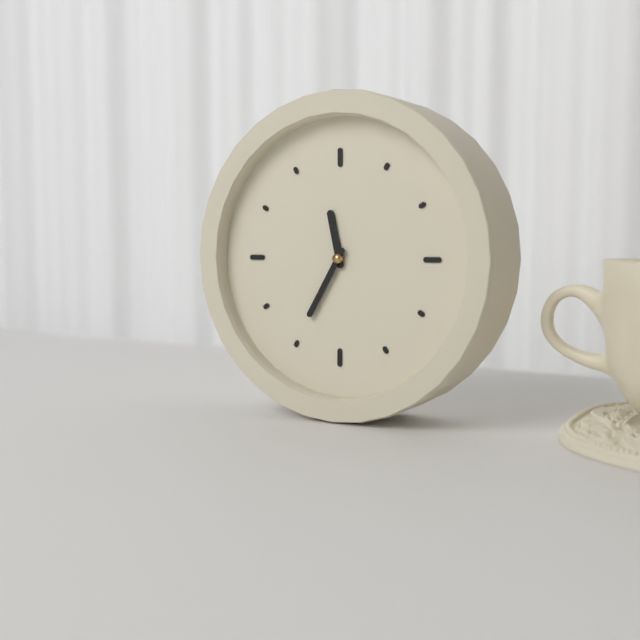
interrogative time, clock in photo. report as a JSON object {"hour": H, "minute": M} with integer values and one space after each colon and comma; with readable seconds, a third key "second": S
{"hour": 11, "minute": 35}
